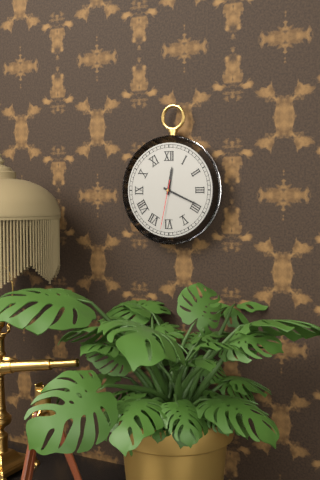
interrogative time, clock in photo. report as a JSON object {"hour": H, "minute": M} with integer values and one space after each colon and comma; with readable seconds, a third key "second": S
{"hour": 12, "minute": 19, "second": 32}
